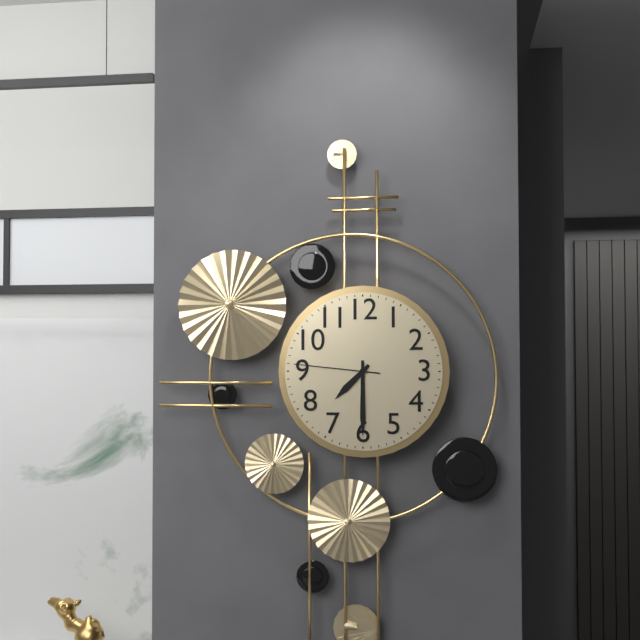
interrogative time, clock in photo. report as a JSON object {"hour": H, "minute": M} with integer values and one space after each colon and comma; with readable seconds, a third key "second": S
{"hour": 7, "minute": 30, "second": 46}
